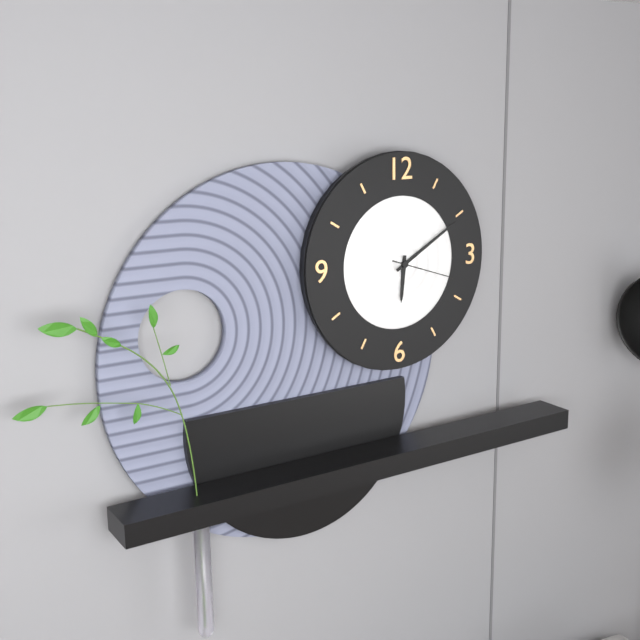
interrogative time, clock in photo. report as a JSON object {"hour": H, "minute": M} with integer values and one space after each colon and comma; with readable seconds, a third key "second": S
{"hour": 6, "minute": 10, "second": 18}
